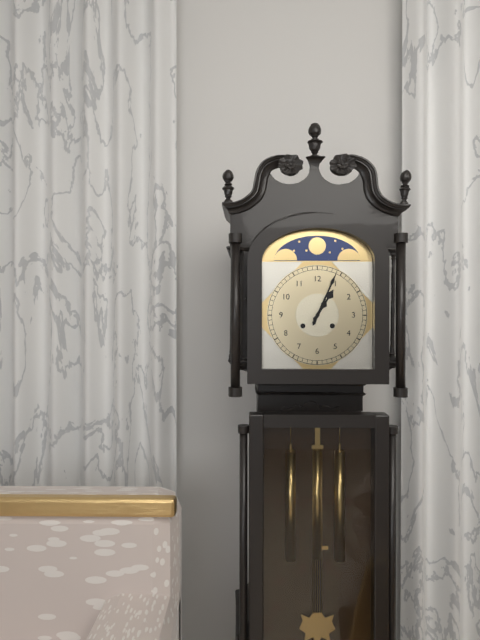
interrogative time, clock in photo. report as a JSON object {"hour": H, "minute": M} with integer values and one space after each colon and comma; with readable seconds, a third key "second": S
{"hour": 1, "minute": 4}
